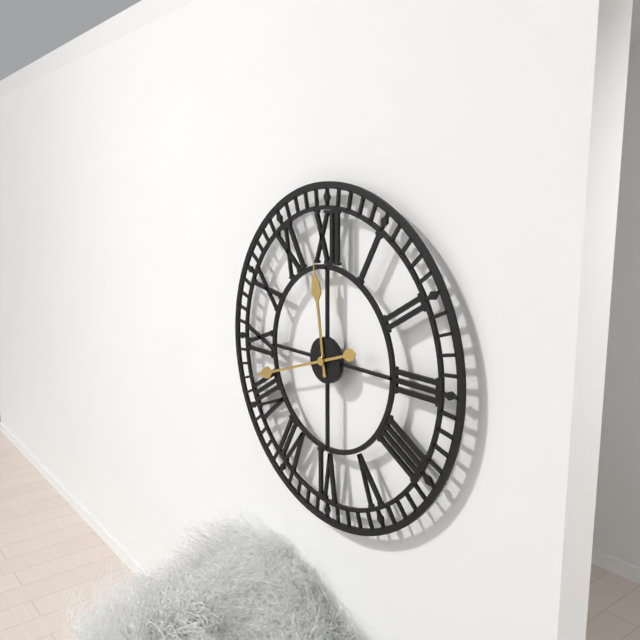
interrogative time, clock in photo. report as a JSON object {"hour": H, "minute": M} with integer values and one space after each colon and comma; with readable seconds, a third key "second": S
{"hour": 11, "minute": 42}
